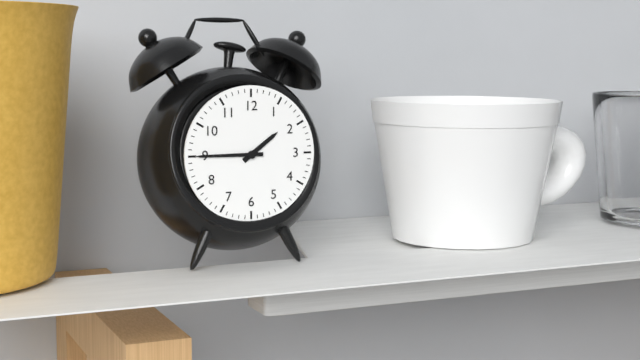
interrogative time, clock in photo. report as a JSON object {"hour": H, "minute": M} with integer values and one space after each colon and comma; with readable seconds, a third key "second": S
{"hour": 1, "minute": 45}
